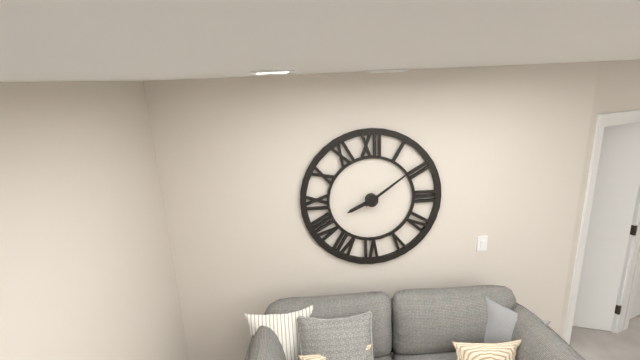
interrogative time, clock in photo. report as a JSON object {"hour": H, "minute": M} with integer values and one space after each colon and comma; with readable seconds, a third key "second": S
{"hour": 8, "minute": 9}
